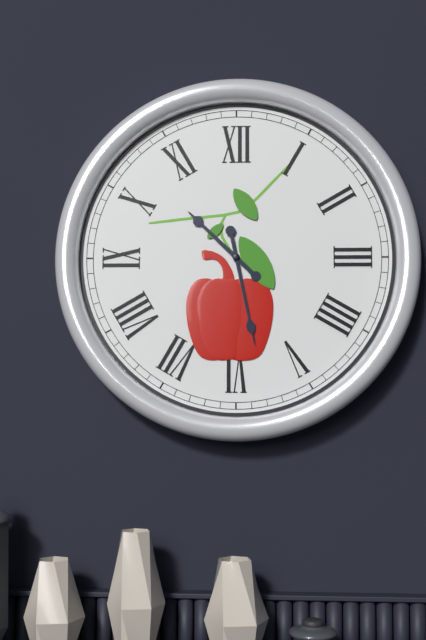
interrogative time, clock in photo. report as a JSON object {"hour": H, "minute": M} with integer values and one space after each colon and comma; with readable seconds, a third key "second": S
{"hour": 10, "minute": 28}
